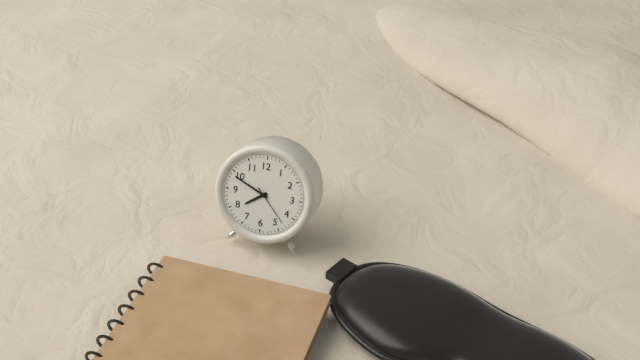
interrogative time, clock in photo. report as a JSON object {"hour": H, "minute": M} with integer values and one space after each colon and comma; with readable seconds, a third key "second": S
{"hour": 7, "minute": 49}
